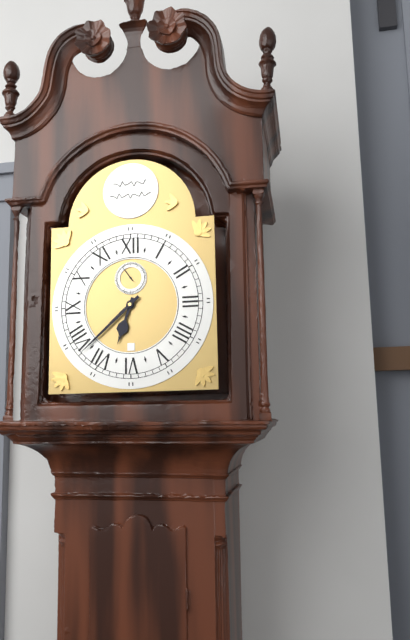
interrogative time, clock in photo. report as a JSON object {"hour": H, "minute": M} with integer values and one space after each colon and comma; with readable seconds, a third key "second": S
{"hour": 6, "minute": 38}
